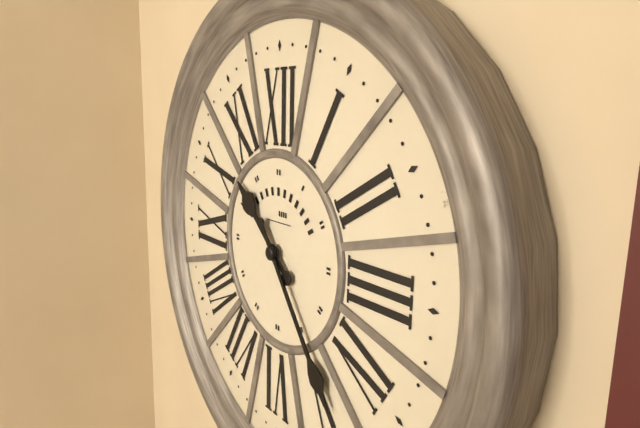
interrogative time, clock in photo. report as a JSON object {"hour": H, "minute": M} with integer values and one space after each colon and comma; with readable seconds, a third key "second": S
{"hour": 10, "minute": 24}
